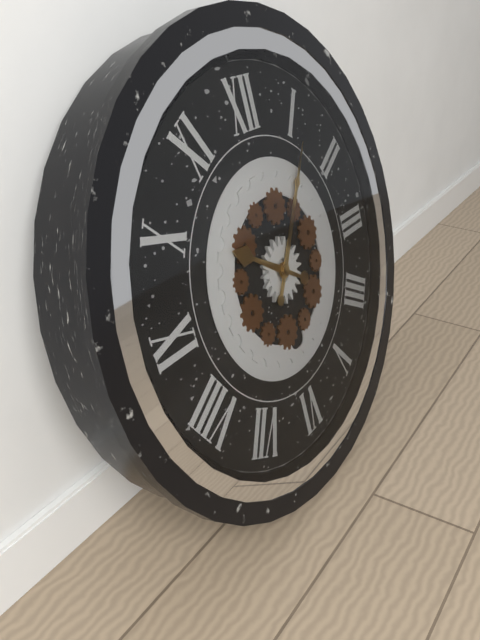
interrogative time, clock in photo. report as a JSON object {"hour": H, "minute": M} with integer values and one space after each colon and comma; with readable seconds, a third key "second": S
{"hour": 10, "minute": 6}
